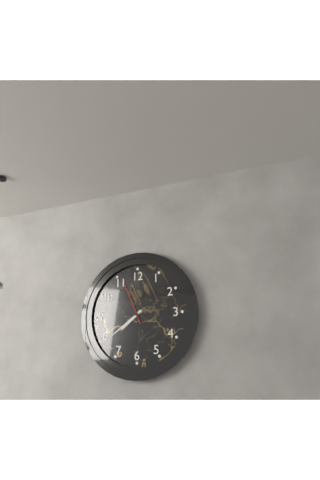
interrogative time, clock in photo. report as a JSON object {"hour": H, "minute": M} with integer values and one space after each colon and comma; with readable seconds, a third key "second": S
{"hour": 7, "minute": 39}
